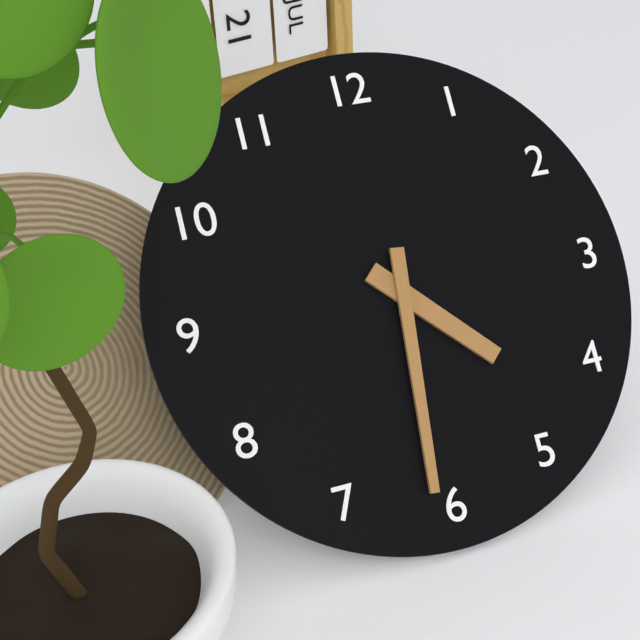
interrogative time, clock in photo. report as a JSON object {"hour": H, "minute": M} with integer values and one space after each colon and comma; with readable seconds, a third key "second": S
{"hour": 4, "minute": 31}
